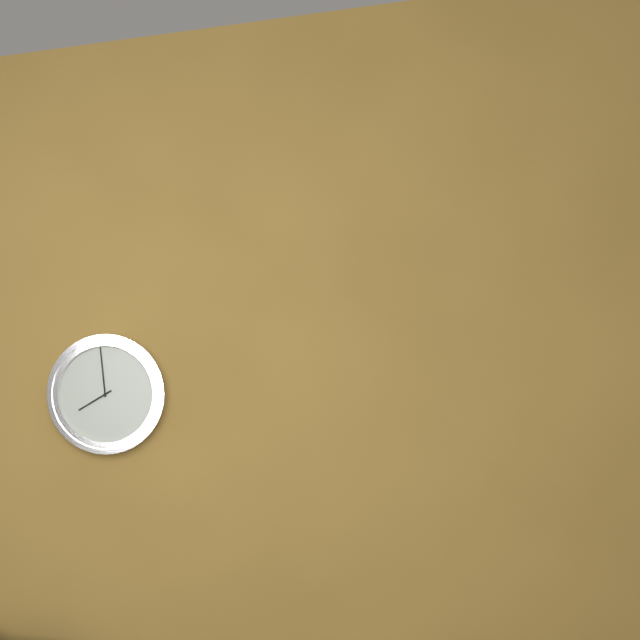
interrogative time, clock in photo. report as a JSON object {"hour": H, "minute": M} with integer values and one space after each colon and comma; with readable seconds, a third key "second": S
{"hour": 7, "minute": 59}
